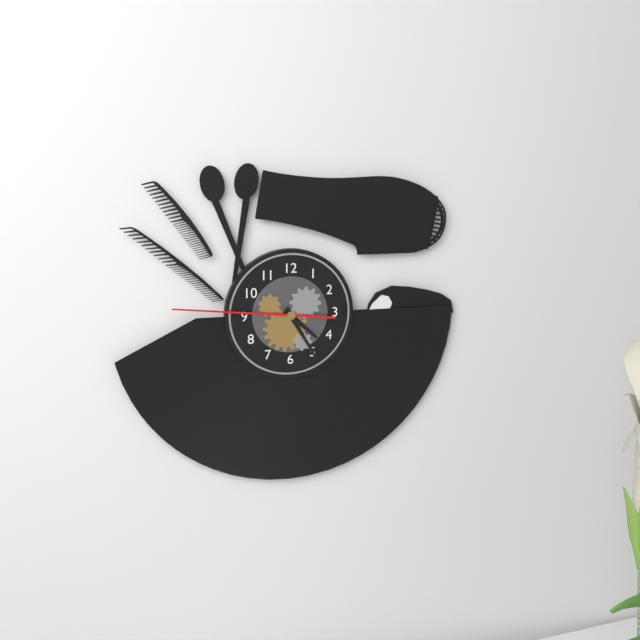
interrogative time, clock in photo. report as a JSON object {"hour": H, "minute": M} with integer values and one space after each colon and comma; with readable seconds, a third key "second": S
{"hour": 4, "minute": 25, "second": 46}
